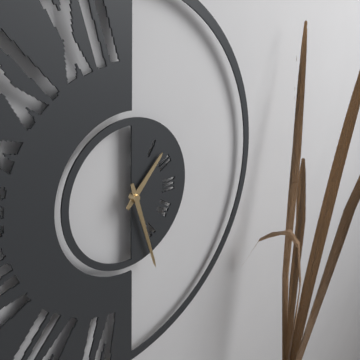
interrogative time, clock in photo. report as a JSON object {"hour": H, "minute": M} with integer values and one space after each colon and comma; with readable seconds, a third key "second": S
{"hour": 1, "minute": 27}
